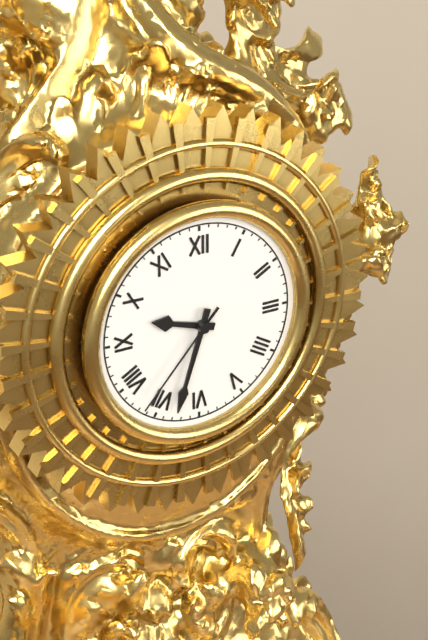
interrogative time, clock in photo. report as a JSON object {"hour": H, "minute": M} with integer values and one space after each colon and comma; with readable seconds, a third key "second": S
{"hour": 9, "minute": 33, "second": 37}
